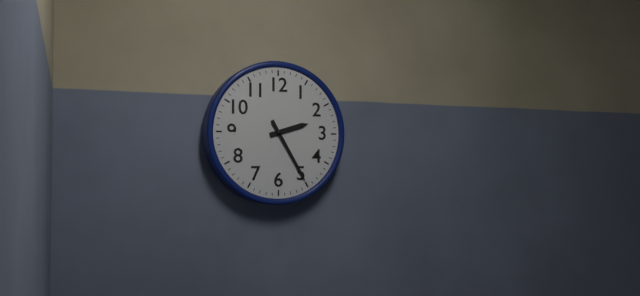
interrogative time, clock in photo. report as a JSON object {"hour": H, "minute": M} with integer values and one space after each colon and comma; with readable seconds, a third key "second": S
{"hour": 2, "minute": 25}
